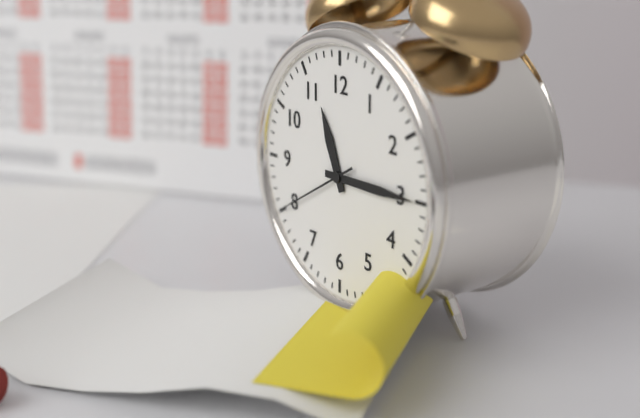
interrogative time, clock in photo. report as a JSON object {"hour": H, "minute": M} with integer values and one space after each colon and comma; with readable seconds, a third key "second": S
{"hour": 11, "minute": 15, "second": 40}
